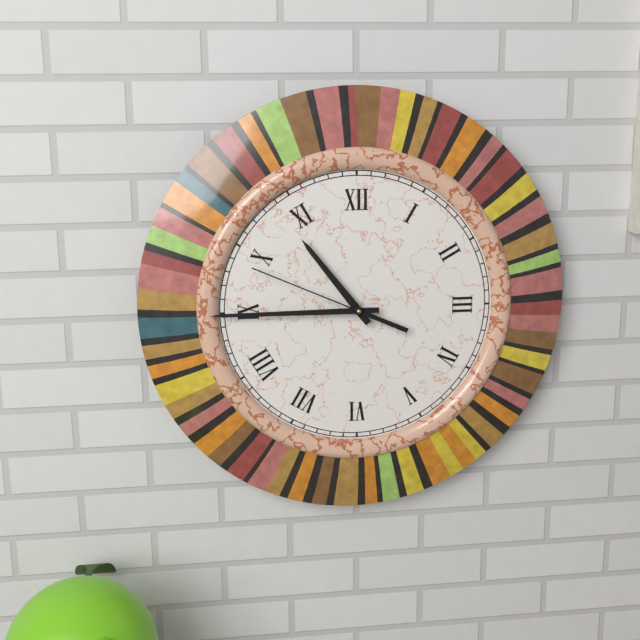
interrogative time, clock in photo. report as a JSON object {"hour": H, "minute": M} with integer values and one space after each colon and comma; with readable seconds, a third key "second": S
{"hour": 10, "minute": 45, "second": 49}
